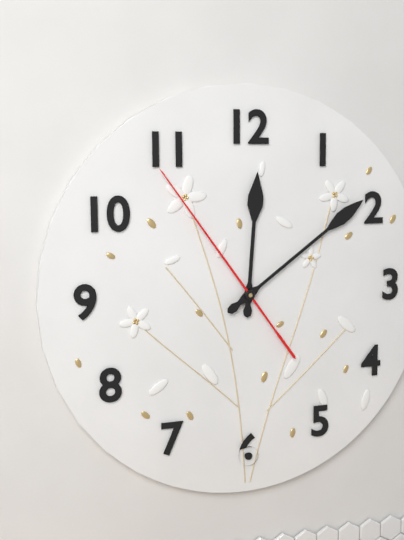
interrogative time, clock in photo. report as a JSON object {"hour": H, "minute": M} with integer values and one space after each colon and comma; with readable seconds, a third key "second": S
{"hour": 12, "minute": 9, "second": 54}
